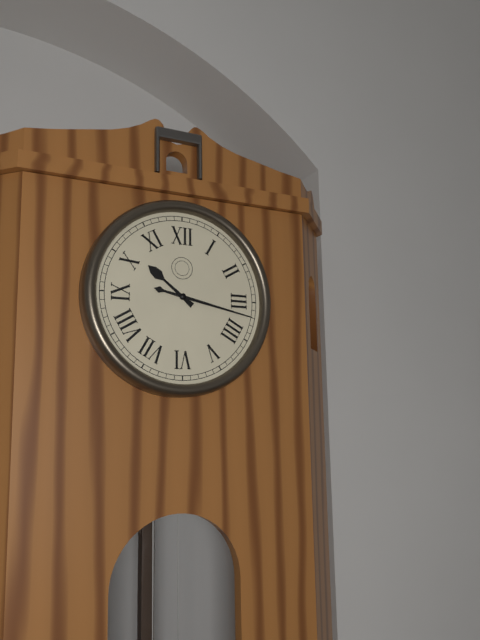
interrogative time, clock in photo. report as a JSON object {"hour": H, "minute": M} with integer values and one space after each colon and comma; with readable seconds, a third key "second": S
{"hour": 10, "minute": 17}
